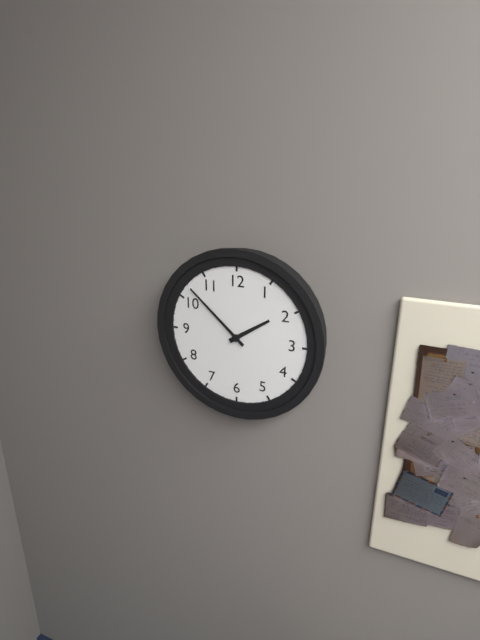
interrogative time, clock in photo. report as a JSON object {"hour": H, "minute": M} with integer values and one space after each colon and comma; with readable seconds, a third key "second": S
{"hour": 1, "minute": 52}
